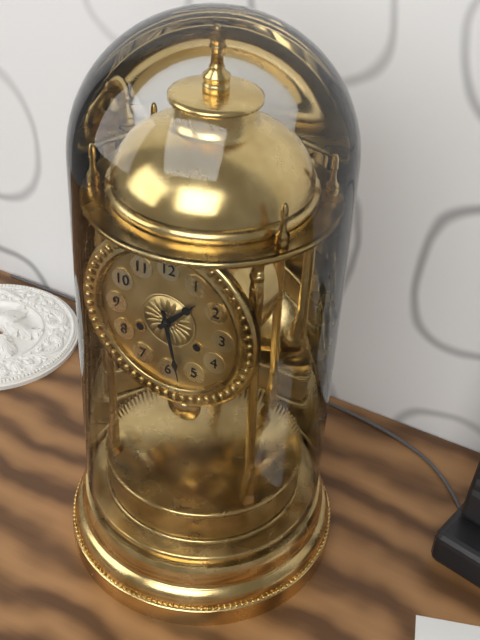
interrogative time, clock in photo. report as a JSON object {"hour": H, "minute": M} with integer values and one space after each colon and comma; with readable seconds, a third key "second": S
{"hour": 1, "minute": 28}
